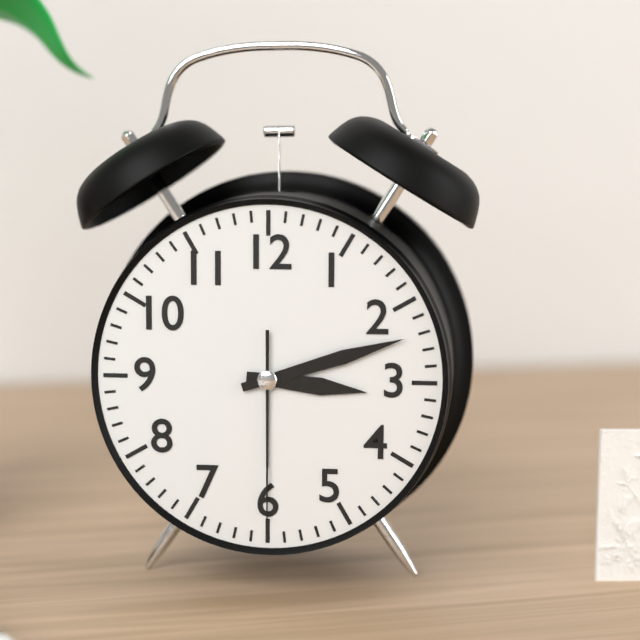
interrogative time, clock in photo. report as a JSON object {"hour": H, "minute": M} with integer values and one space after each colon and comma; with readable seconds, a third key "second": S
{"hour": 3, "minute": 12, "second": 30}
